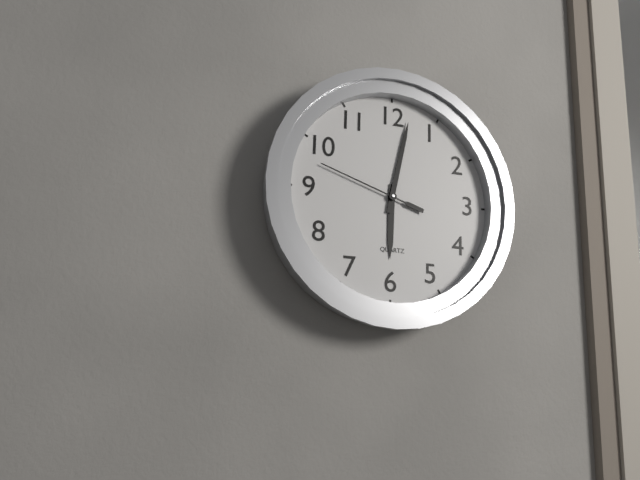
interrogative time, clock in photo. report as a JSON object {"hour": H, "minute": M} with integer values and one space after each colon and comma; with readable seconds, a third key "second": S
{"hour": 6, "minute": 2, "second": 48}
